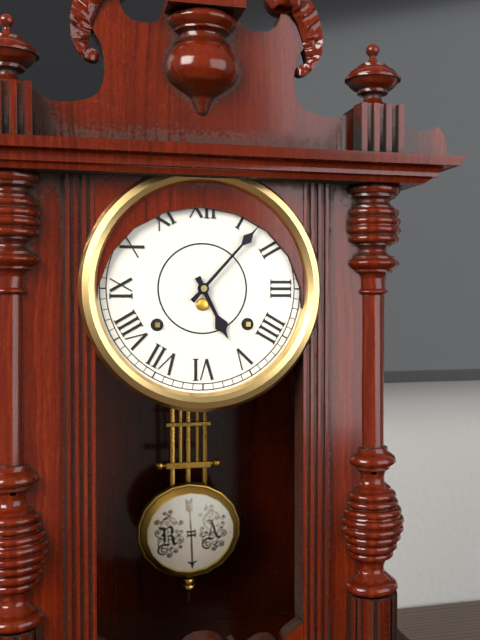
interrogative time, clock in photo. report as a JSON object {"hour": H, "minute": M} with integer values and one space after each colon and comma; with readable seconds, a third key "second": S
{"hour": 5, "minute": 7}
